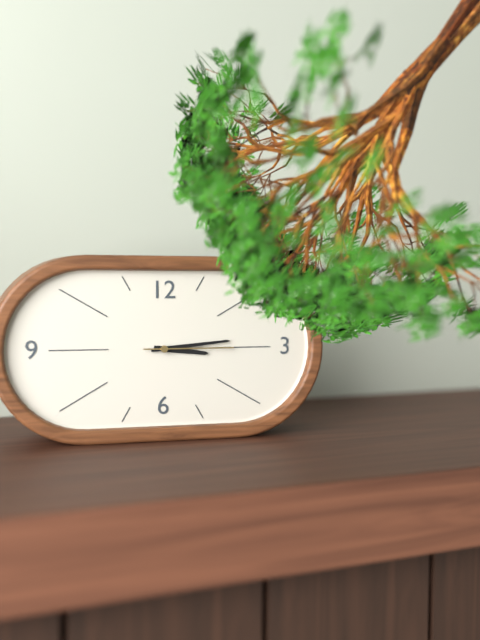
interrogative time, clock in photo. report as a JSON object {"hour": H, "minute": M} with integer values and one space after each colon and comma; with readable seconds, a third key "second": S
{"hour": 3, "minute": 14, "second": 15}
